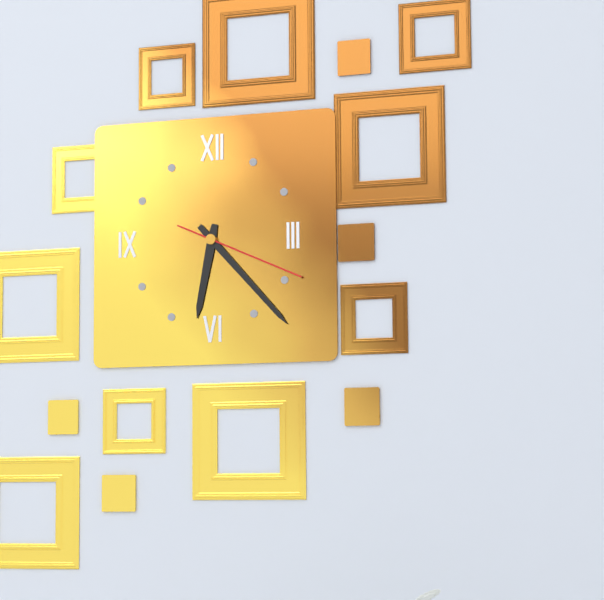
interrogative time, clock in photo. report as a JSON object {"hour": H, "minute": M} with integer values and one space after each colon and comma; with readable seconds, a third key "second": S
{"hour": 6, "minute": 23, "second": 19}
